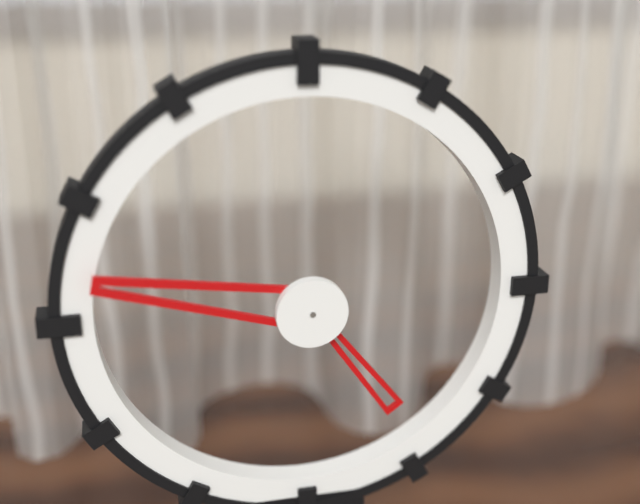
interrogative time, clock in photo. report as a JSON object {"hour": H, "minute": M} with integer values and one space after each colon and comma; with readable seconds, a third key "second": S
{"hour": 4, "minute": 47}
